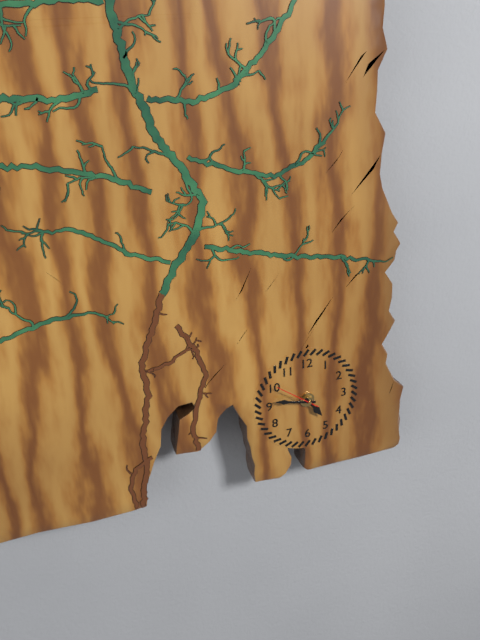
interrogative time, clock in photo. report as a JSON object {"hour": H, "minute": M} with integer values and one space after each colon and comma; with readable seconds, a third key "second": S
{"hour": 4, "minute": 47}
